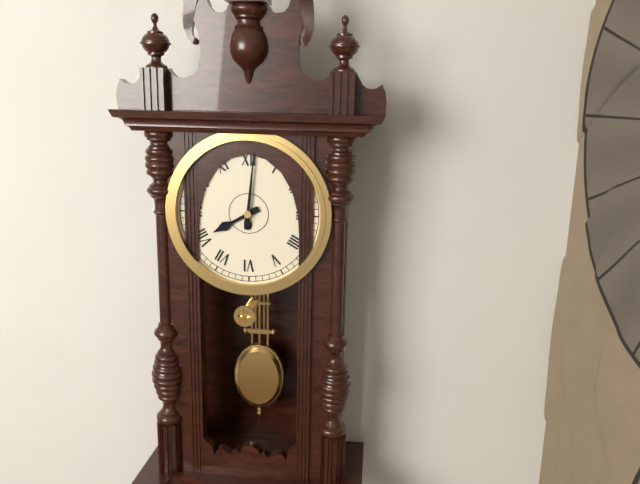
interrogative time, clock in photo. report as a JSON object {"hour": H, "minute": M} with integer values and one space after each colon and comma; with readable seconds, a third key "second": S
{"hour": 8, "minute": 1}
